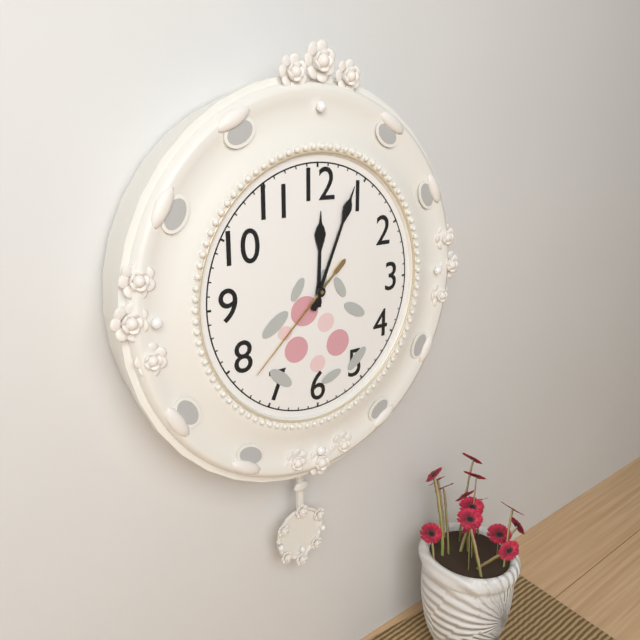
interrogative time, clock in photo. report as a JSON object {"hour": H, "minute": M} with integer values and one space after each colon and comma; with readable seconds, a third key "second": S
{"hour": 12, "minute": 4, "second": 38}
